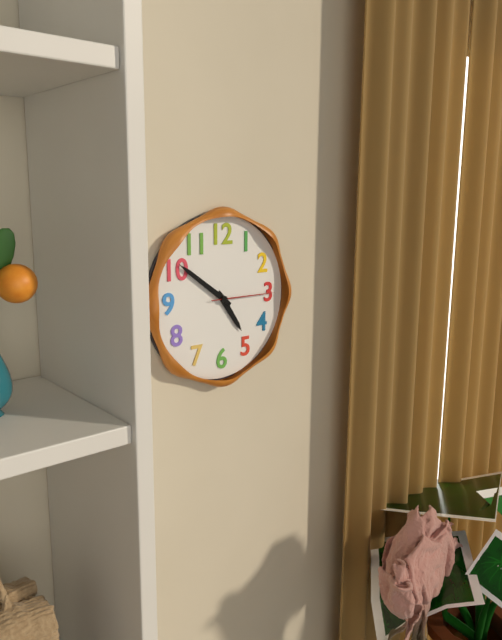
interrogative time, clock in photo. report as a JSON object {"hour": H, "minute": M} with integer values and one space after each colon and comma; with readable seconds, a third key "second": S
{"hour": 4, "minute": 51, "second": 15}
